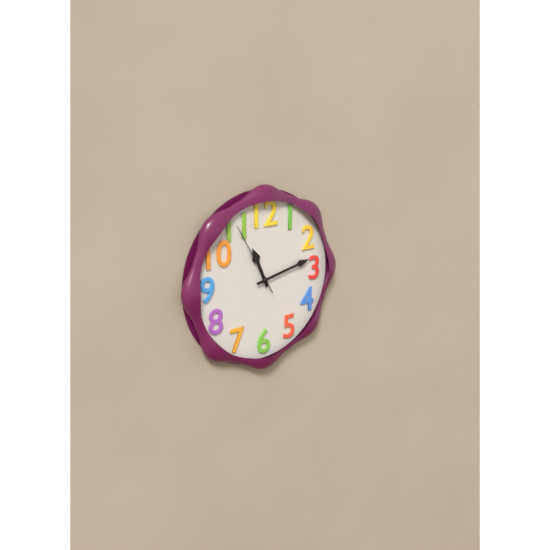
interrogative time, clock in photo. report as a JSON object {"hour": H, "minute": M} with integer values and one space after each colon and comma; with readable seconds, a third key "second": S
{"hour": 11, "minute": 13, "second": 55}
